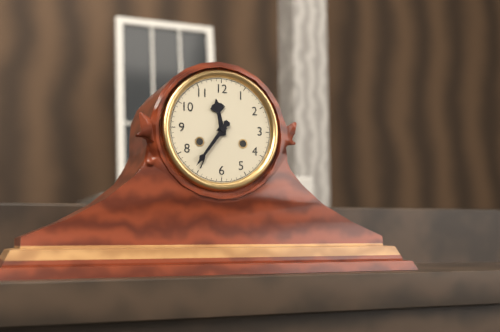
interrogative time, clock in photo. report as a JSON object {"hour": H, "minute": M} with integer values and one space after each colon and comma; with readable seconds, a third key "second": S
{"hour": 11, "minute": 36}
